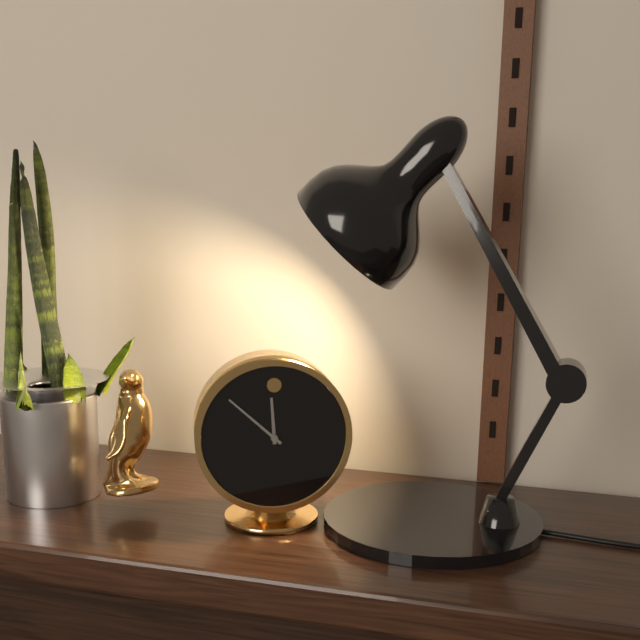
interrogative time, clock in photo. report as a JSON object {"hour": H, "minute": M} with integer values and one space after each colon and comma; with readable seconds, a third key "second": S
{"hour": 11, "minute": 52}
